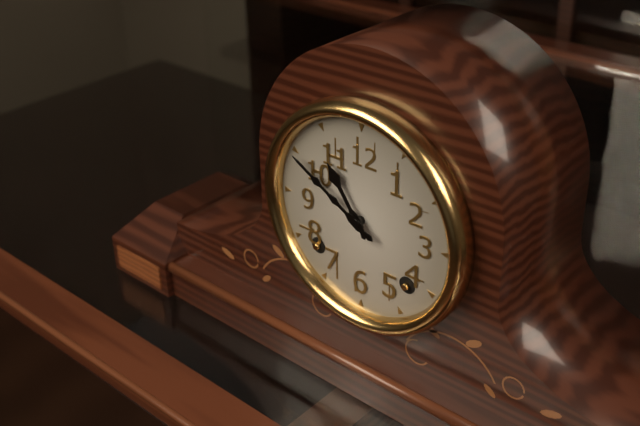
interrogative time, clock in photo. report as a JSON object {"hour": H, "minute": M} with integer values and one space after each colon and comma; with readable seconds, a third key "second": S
{"hour": 10, "minute": 50}
